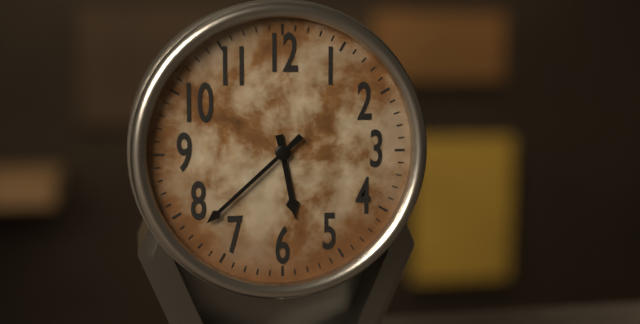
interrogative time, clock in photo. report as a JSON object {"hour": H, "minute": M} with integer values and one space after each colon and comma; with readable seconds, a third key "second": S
{"hour": 5, "minute": 38}
